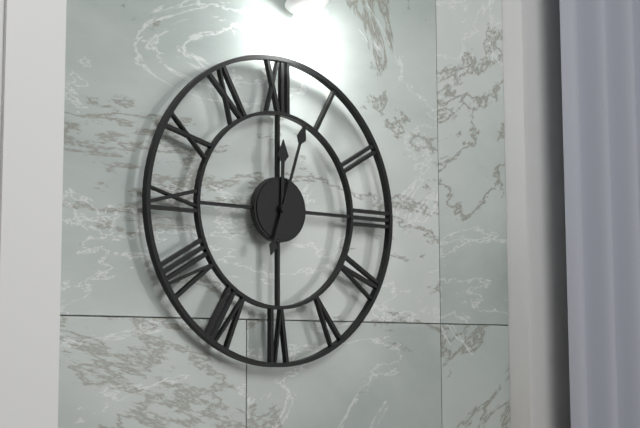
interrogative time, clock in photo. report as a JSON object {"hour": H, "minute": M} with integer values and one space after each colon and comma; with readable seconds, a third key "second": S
{"hour": 12, "minute": 3}
